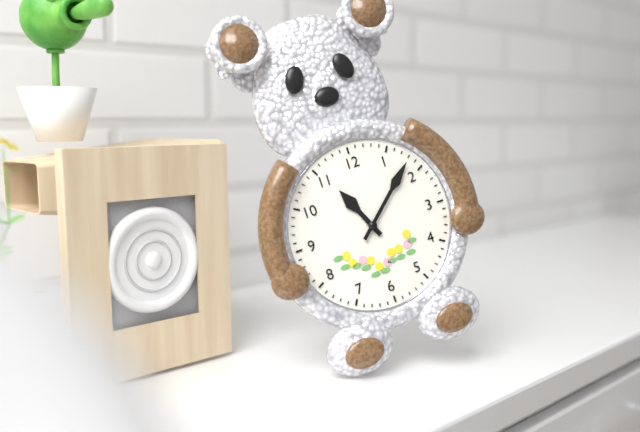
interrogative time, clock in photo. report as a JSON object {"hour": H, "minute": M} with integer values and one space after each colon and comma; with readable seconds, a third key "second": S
{"hour": 11, "minute": 8}
